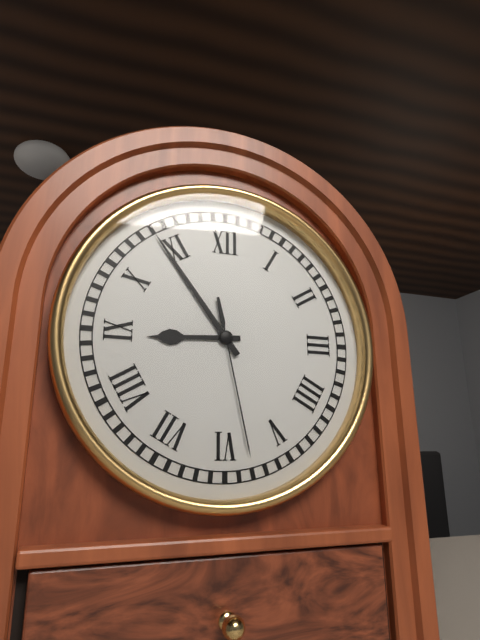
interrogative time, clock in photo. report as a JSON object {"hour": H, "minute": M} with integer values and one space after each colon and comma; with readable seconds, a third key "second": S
{"hour": 8, "minute": 54, "second": 28}
